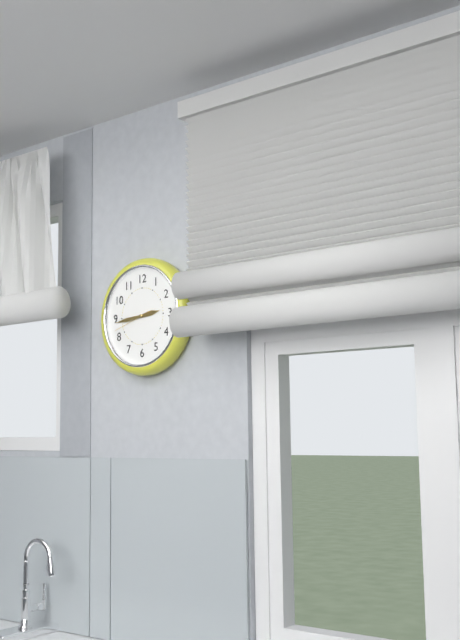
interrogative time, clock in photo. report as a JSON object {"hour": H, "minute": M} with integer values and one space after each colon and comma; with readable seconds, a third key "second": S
{"hour": 2, "minute": 44}
